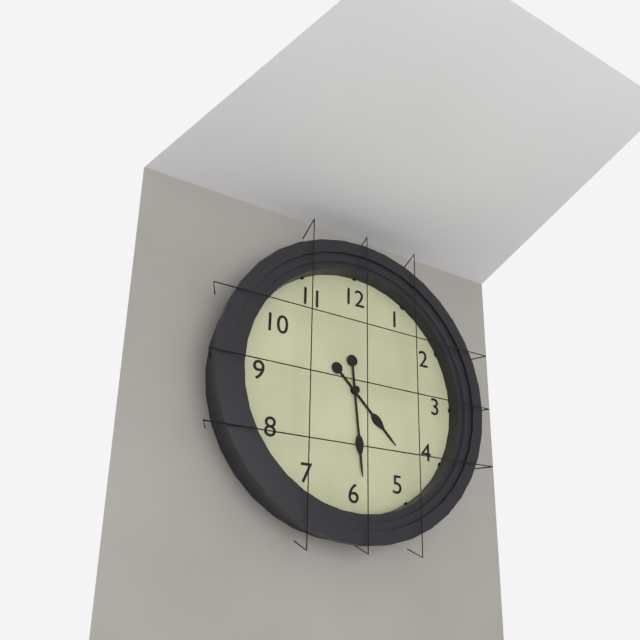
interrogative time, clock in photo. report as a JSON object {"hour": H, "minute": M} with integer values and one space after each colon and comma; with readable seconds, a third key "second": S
{"hour": 4, "minute": 29}
